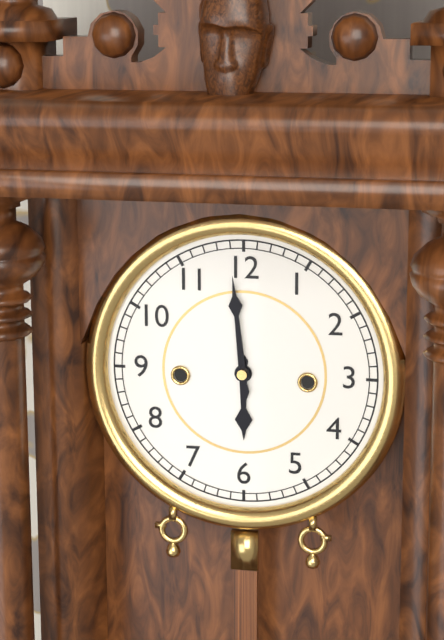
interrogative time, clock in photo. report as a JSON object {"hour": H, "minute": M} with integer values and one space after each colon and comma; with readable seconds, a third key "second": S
{"hour": 5, "minute": 59}
